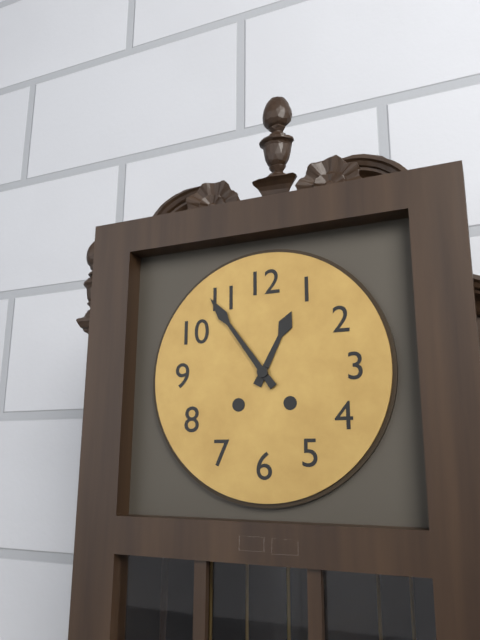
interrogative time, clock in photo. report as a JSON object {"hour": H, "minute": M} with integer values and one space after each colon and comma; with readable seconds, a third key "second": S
{"hour": 12, "minute": 54}
